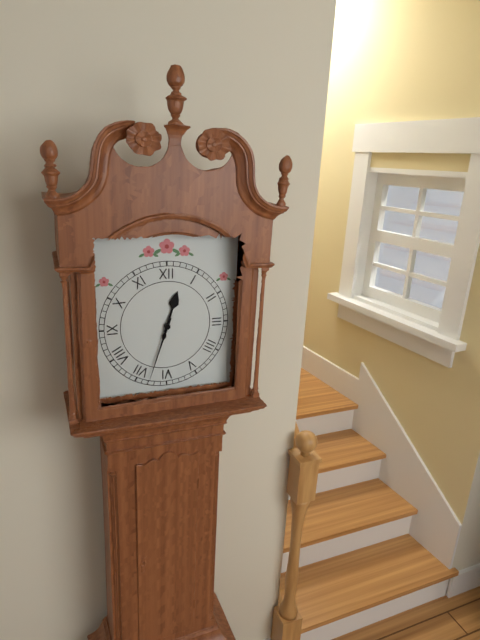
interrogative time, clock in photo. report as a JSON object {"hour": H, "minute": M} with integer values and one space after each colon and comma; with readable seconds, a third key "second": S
{"hour": 12, "minute": 33}
